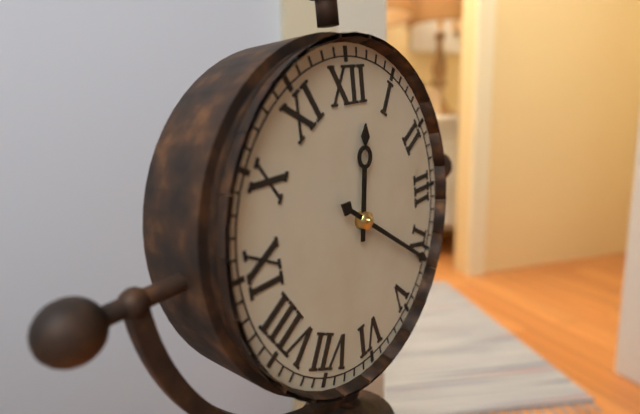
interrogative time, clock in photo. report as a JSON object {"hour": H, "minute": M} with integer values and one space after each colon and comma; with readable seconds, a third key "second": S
{"hour": 12, "minute": 21}
